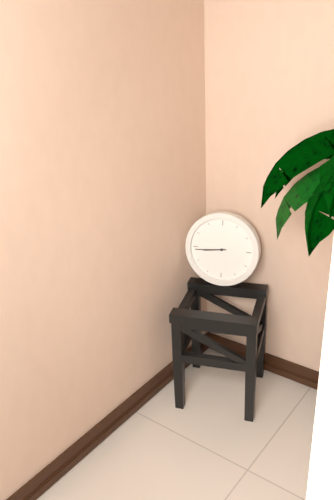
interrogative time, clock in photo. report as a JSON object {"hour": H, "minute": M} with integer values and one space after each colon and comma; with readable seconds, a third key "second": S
{"hour": 8, "minute": 44}
